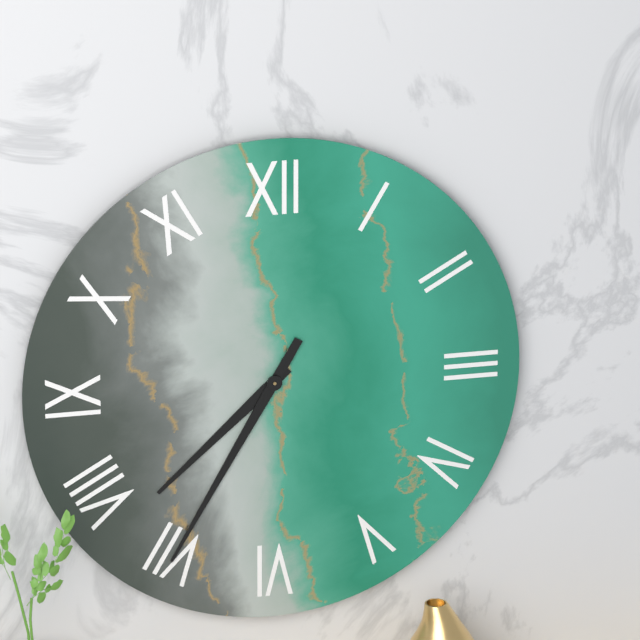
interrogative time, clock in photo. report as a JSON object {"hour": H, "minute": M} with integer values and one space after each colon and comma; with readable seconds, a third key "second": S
{"hour": 7, "minute": 35}
